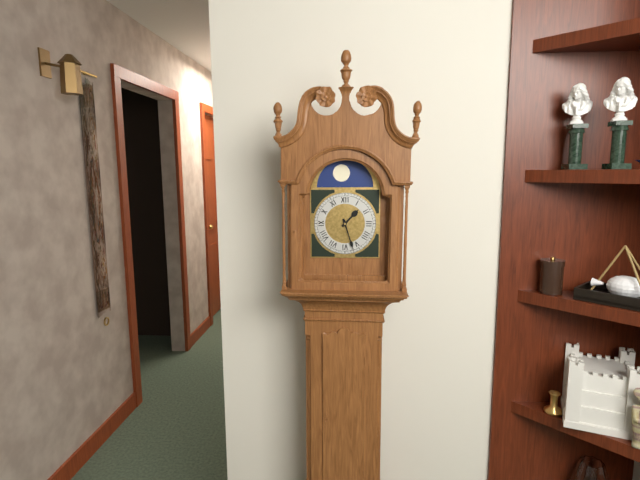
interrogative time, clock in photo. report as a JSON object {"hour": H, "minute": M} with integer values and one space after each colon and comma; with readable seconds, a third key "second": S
{"hour": 1, "minute": 27}
